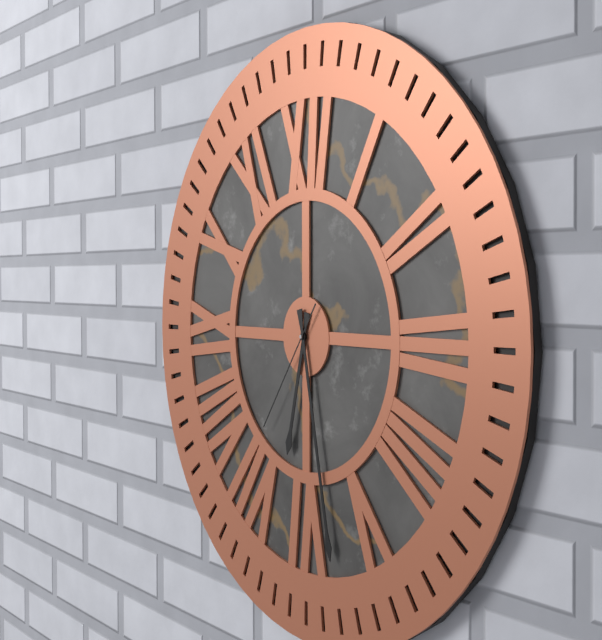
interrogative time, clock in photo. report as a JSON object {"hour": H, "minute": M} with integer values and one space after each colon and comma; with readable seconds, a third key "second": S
{"hour": 6, "minute": 28, "second": 36}
